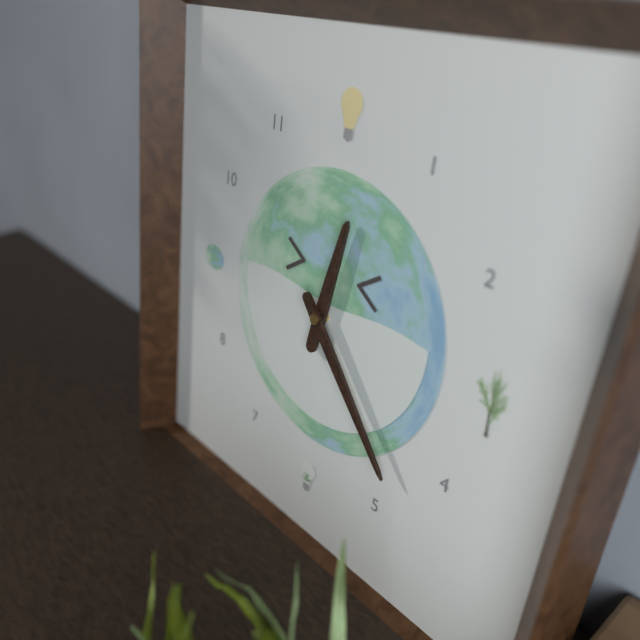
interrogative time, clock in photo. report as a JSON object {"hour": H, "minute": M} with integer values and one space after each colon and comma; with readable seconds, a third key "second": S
{"hour": 12, "minute": 23}
